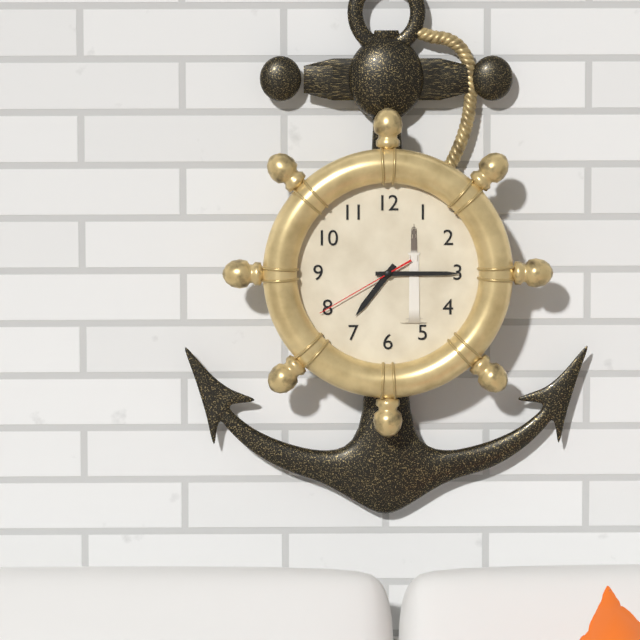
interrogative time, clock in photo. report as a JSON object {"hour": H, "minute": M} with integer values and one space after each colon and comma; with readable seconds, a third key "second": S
{"hour": 7, "minute": 15, "second": 40}
